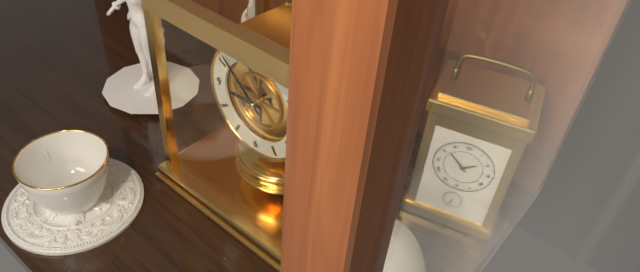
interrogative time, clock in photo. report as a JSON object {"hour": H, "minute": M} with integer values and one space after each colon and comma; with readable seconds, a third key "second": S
{"hour": 8, "minute": 52}
